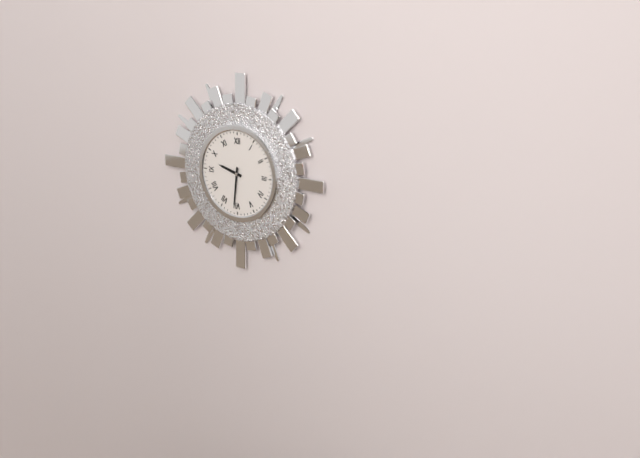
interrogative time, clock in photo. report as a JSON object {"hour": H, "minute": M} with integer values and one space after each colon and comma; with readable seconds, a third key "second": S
{"hour": 9, "minute": 31}
